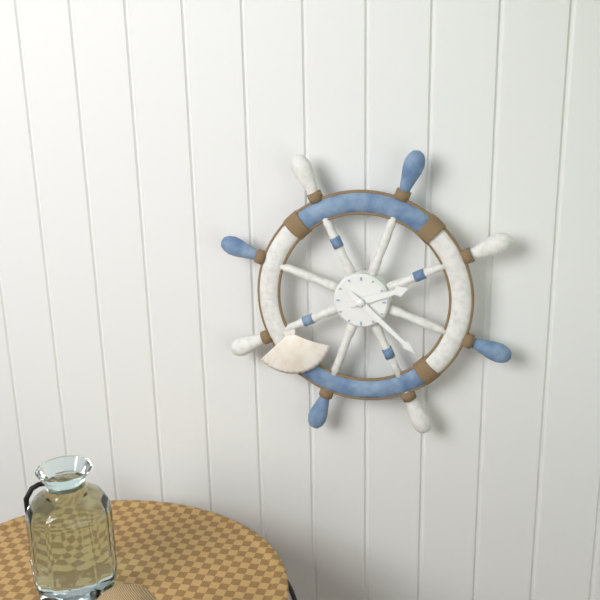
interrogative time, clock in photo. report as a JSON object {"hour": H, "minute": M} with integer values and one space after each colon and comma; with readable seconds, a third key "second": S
{"hour": 2, "minute": 22}
